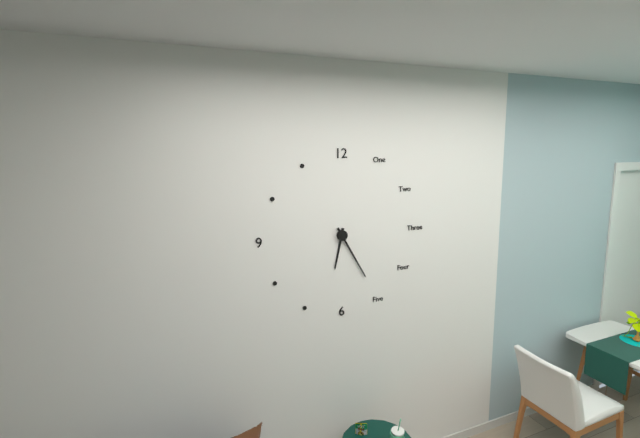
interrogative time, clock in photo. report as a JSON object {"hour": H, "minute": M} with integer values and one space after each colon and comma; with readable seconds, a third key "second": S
{"hour": 6, "minute": 25}
